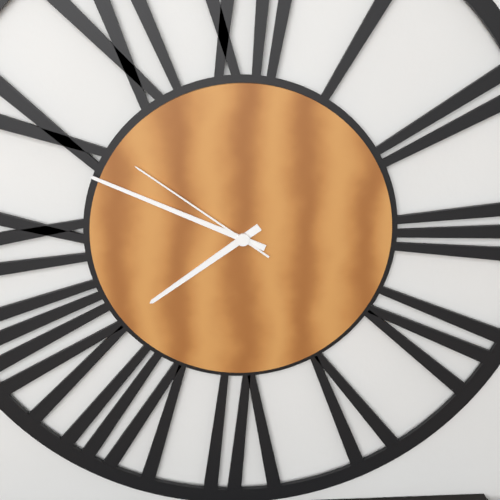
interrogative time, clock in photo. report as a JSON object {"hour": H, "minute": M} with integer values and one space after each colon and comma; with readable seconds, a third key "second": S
{"hour": 7, "minute": 49, "second": 51}
